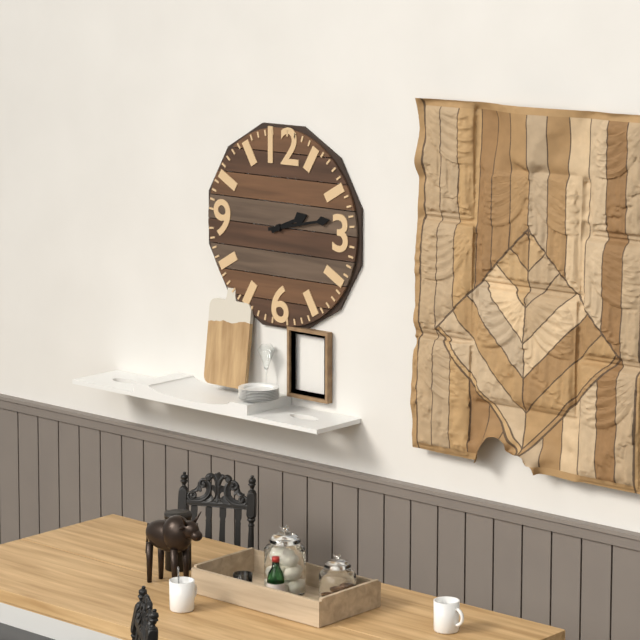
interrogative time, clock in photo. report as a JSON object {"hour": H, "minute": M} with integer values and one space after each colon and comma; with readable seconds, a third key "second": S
{"hour": 2, "minute": 13}
